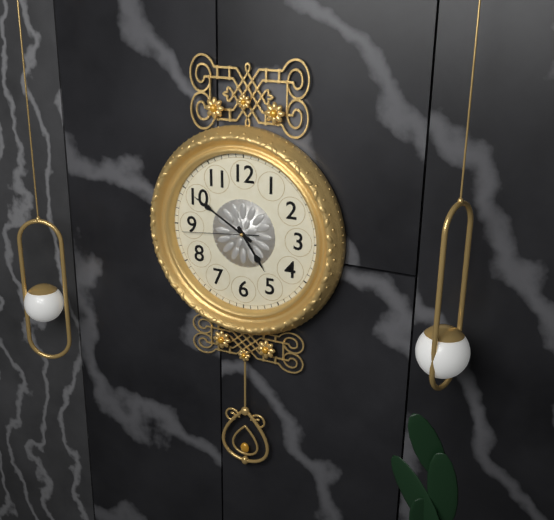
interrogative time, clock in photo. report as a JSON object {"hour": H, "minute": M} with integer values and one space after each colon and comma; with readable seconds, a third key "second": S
{"hour": 4, "minute": 50, "second": 44}
